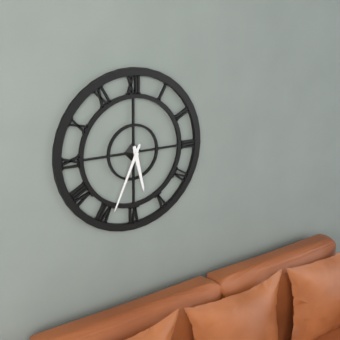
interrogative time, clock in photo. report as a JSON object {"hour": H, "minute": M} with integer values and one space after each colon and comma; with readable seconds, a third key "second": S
{"hour": 5, "minute": 34}
